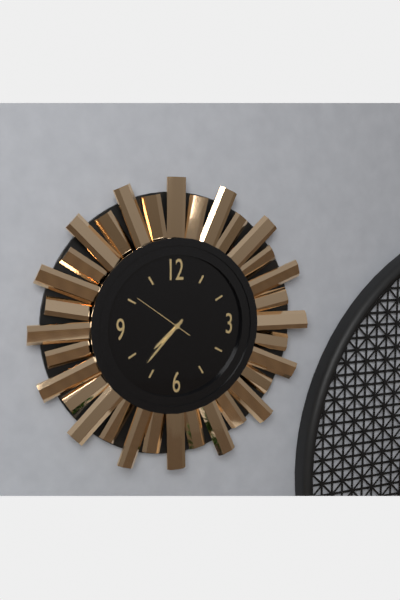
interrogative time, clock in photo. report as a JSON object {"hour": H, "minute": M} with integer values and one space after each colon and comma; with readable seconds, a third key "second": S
{"hour": 7, "minute": 37, "second": 51}
